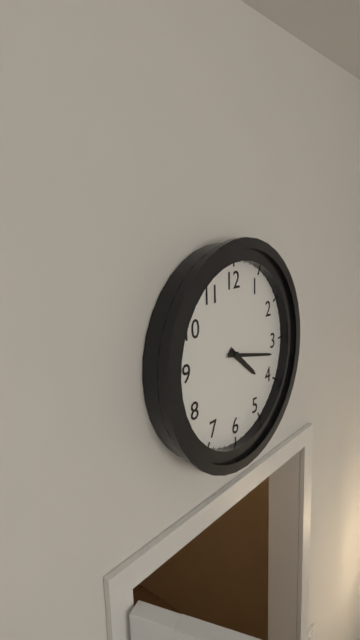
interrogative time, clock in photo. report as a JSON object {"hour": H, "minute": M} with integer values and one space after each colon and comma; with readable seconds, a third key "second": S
{"hour": 4, "minute": 17}
